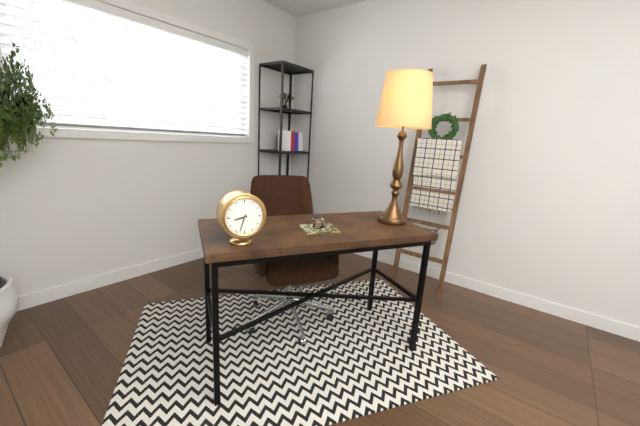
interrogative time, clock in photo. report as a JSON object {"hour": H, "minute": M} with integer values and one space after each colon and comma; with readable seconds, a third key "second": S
{"hour": 8, "minute": 33}
